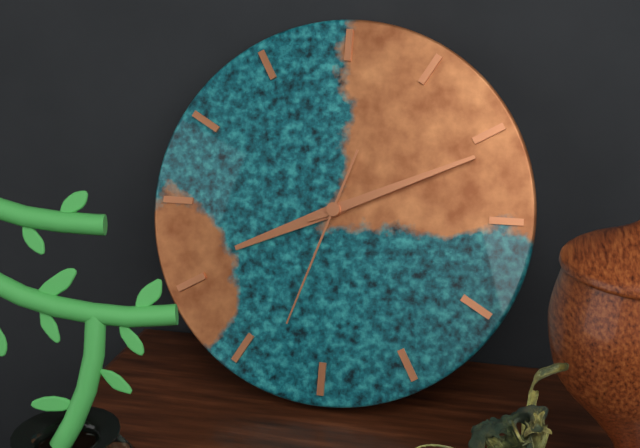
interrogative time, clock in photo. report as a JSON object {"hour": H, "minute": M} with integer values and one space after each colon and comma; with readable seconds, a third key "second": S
{"hour": 8, "minute": 11, "second": 33}
